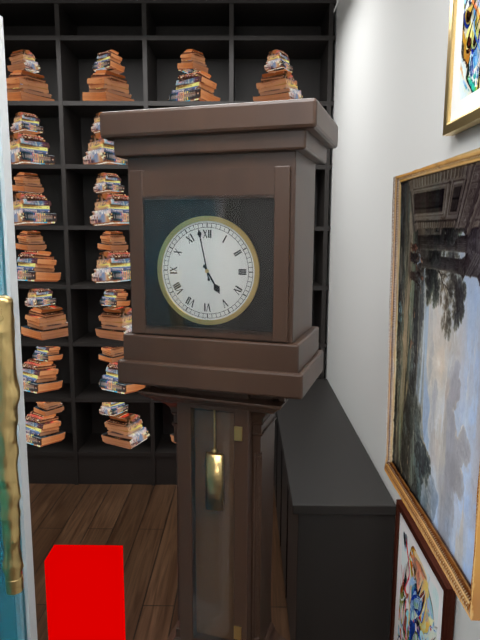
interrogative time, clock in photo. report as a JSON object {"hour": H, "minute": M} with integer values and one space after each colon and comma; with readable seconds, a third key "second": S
{"hour": 4, "minute": 58}
